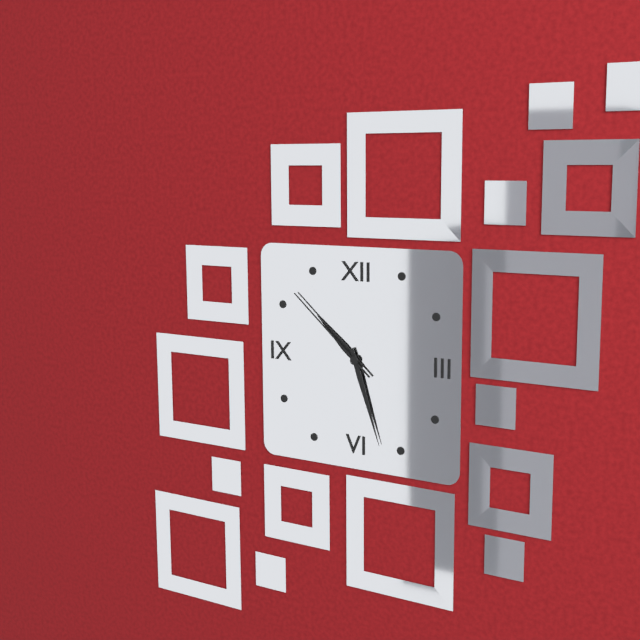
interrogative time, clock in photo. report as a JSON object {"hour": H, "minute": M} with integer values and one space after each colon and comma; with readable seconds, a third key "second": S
{"hour": 10, "minute": 27, "second": 52}
